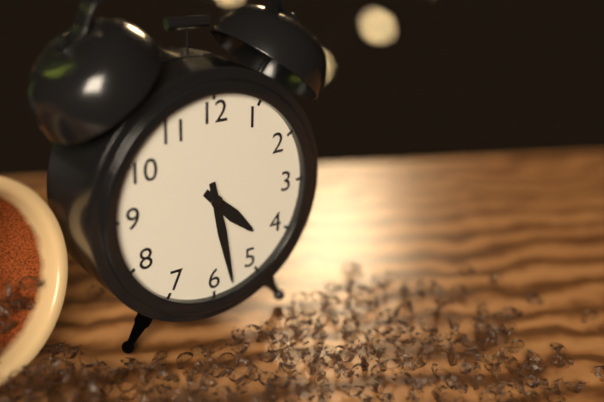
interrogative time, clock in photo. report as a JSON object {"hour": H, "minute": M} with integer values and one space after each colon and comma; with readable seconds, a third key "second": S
{"hour": 4, "minute": 28}
